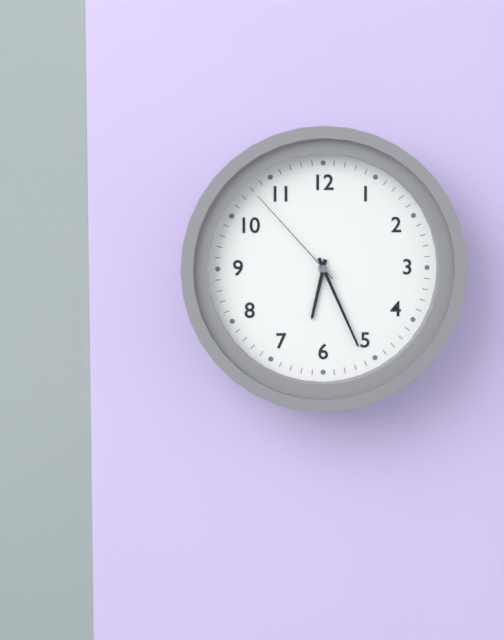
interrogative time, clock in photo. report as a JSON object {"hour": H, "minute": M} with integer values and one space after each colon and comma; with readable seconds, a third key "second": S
{"hour": 6, "minute": 26, "second": 53}
